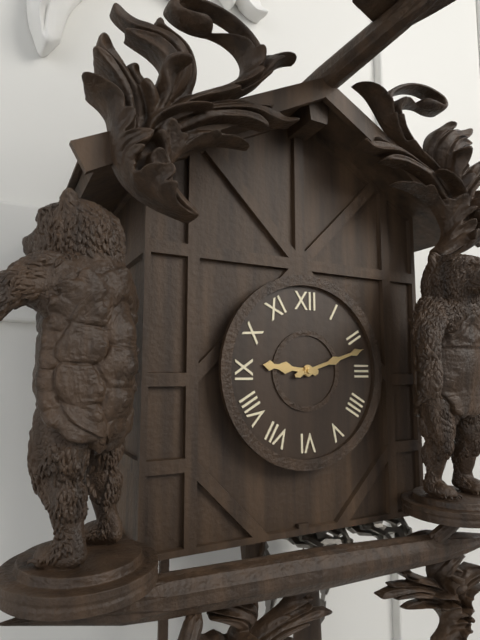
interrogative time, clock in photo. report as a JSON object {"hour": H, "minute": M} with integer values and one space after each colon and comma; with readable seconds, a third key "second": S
{"hour": 9, "minute": 12}
